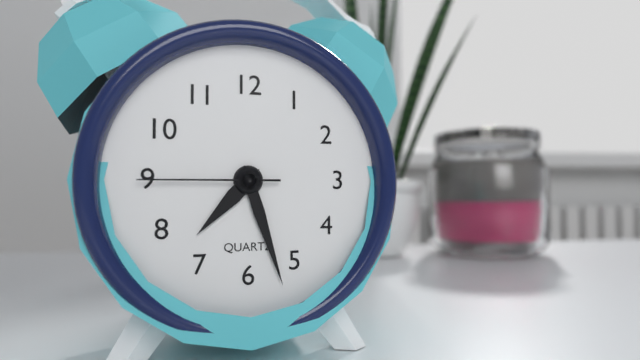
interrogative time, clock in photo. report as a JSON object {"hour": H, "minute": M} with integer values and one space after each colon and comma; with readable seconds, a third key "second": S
{"hour": 7, "minute": 27, "second": 45}
